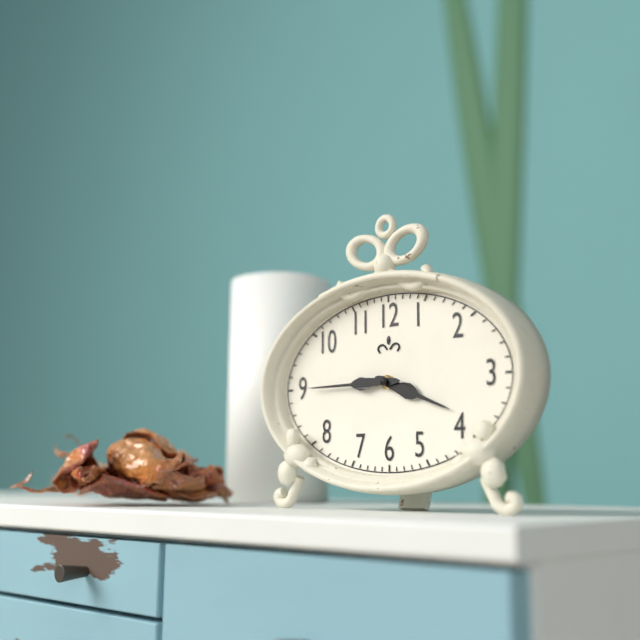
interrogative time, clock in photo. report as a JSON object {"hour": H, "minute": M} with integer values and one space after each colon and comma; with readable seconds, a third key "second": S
{"hour": 3, "minute": 45}
